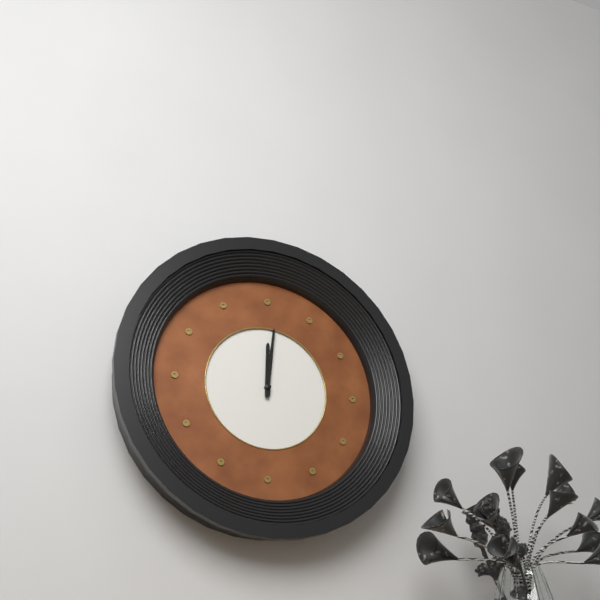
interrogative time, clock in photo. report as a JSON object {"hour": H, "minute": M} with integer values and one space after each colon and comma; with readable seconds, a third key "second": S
{"hour": 12, "minute": 1}
